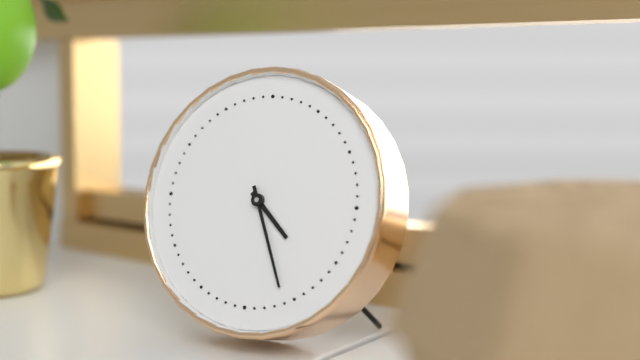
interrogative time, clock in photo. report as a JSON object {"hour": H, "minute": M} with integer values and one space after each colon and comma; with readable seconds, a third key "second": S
{"hour": 4, "minute": 26}
